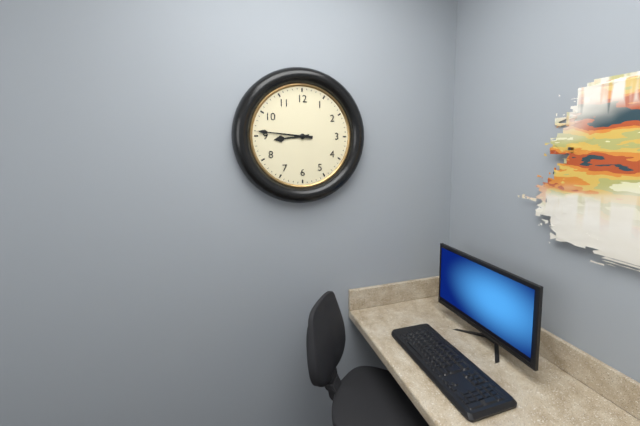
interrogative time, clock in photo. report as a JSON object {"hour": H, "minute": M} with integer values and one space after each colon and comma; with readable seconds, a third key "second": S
{"hour": 8, "minute": 46}
